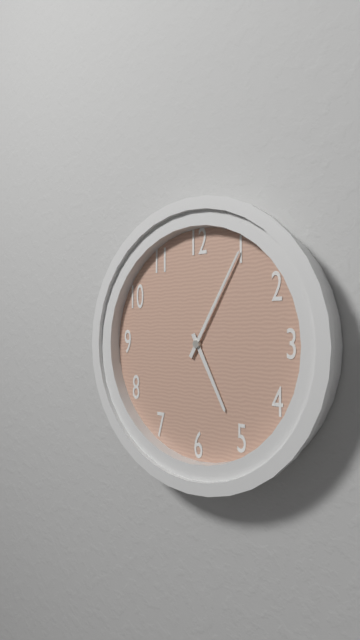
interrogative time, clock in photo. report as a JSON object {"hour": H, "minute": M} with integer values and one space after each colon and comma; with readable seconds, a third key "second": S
{"hour": 5, "minute": 5}
